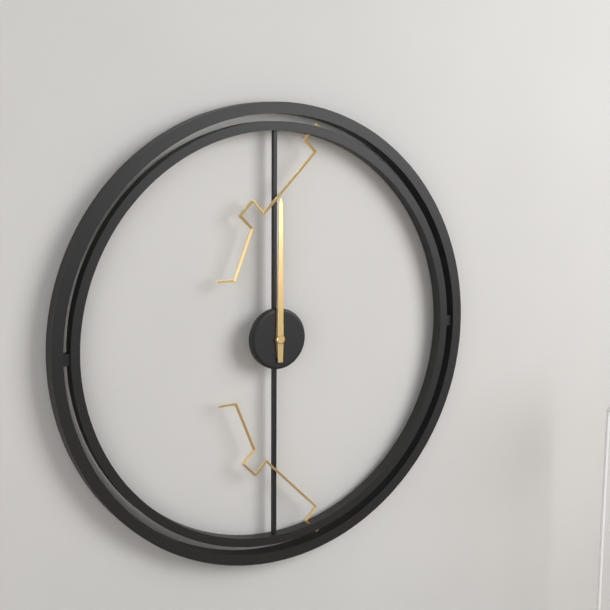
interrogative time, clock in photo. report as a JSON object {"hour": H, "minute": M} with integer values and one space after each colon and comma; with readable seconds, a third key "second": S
{"hour": 12, "minute": 0}
